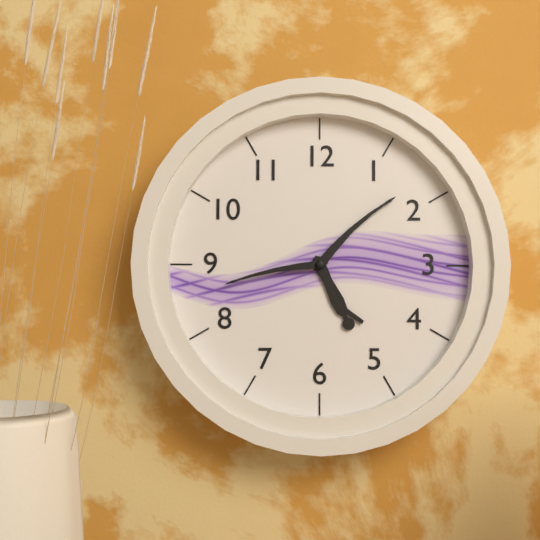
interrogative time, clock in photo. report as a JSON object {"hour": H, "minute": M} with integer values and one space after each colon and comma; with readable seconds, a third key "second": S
{"hour": 5, "minute": 8, "second": 43}
